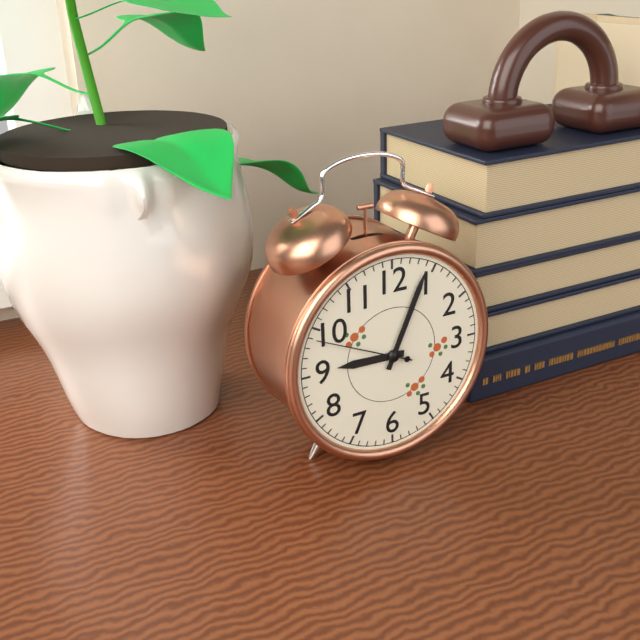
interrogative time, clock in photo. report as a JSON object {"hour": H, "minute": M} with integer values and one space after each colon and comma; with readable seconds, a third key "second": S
{"hour": 9, "minute": 4, "second": 49}
